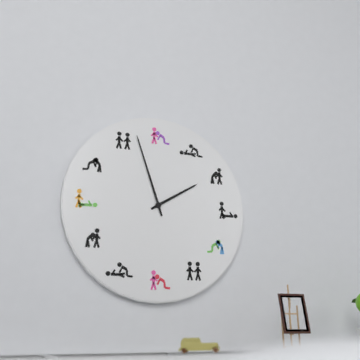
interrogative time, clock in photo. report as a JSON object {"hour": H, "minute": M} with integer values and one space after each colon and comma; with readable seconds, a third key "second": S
{"hour": 1, "minute": 57}
